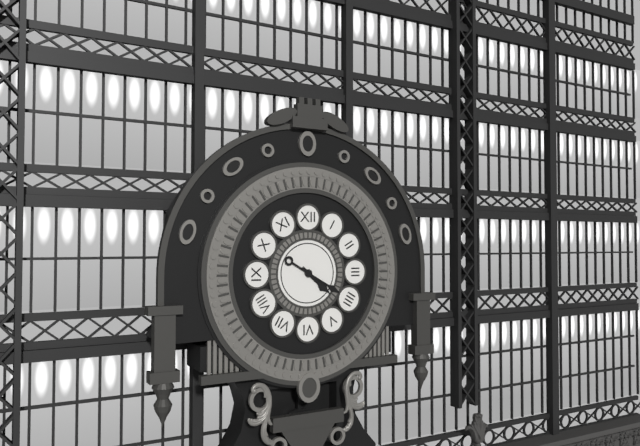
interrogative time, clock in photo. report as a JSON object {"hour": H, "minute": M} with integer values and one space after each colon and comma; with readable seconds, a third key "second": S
{"hour": 4, "minute": 20}
